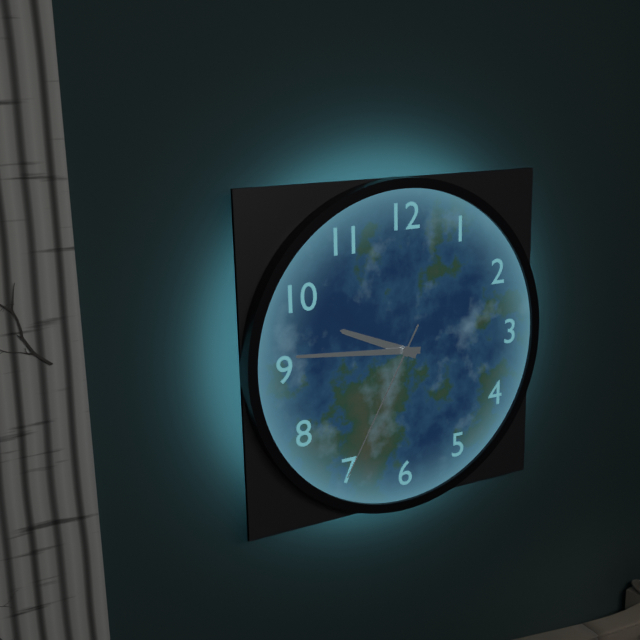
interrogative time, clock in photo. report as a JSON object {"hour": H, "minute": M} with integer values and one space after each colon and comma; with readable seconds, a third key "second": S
{"hour": 9, "minute": 46, "second": 35}
